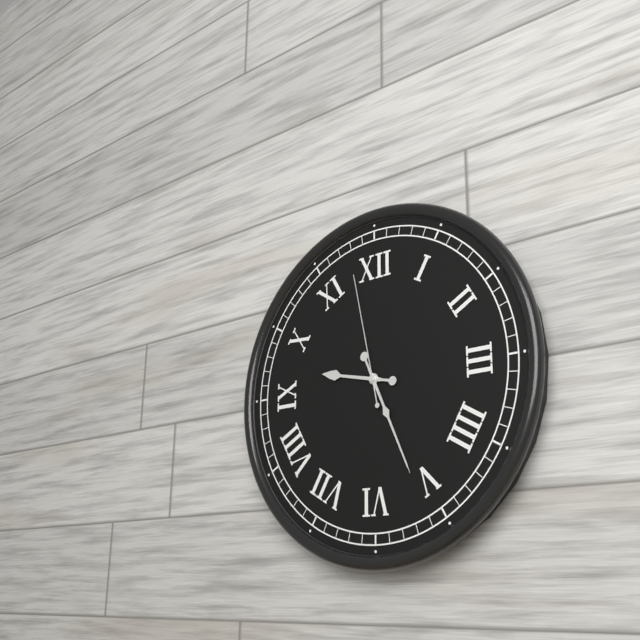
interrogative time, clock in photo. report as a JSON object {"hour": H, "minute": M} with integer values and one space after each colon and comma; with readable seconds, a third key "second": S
{"hour": 9, "minute": 26, "second": 58}
